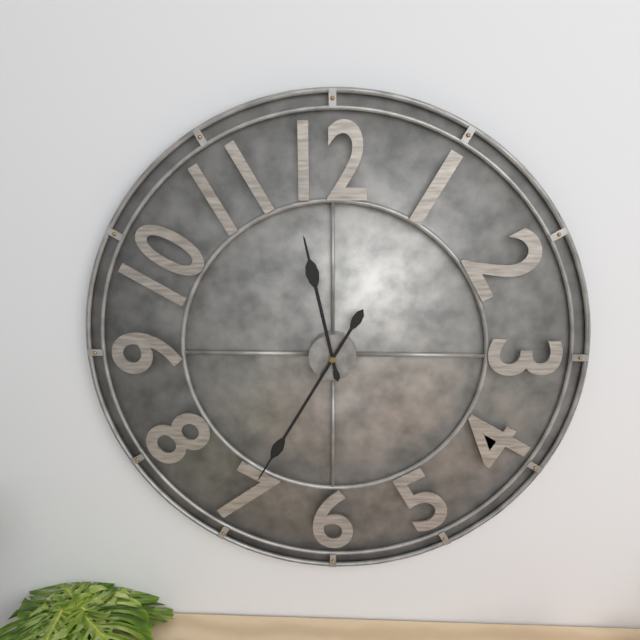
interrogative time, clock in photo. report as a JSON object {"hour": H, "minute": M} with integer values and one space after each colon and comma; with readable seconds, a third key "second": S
{"hour": 11, "minute": 35}
